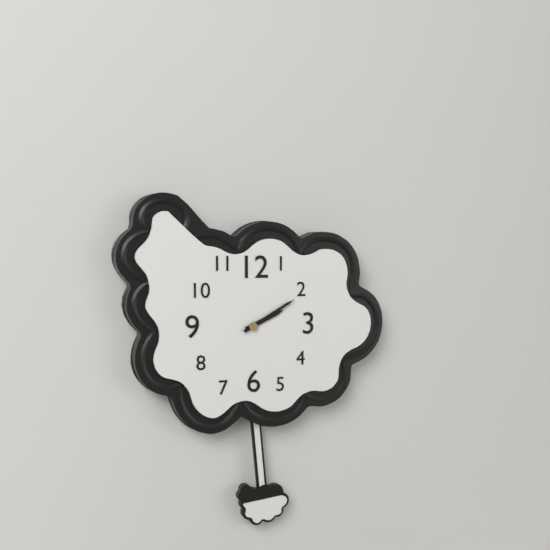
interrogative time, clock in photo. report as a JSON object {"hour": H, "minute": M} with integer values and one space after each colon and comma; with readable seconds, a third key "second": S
{"hour": 2, "minute": 10}
